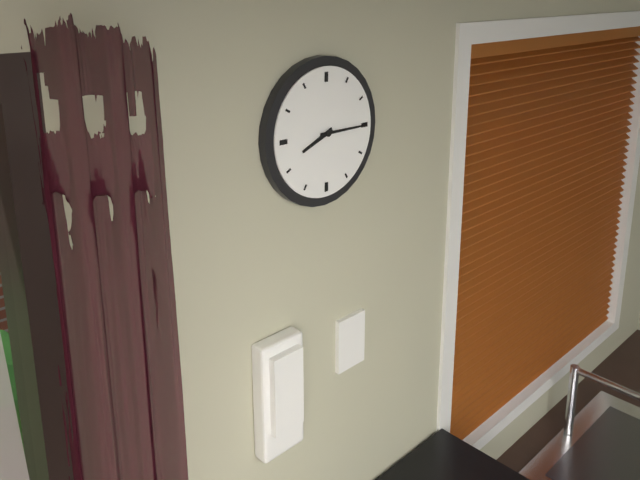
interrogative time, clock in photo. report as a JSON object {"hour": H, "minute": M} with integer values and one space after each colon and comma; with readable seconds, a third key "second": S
{"hour": 8, "minute": 15}
